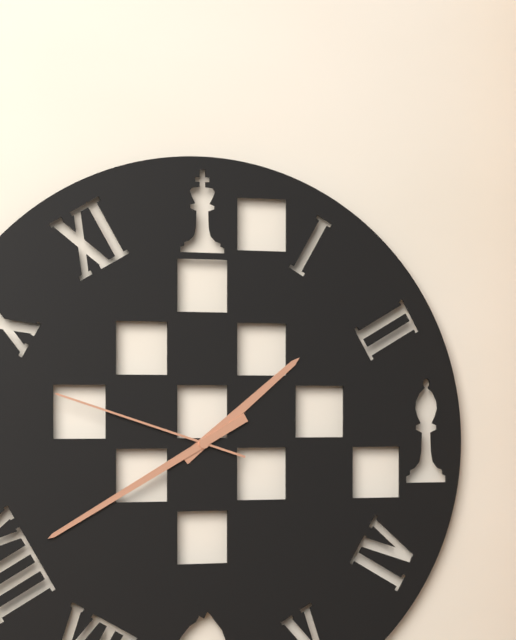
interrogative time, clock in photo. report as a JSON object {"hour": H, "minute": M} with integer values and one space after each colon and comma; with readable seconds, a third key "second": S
{"hour": 1, "minute": 40, "second": 48}
